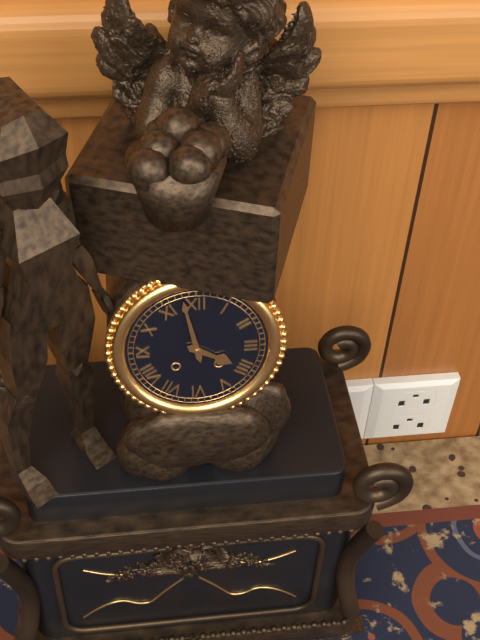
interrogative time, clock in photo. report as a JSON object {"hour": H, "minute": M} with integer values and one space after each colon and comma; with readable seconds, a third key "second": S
{"hour": 3, "minute": 58}
